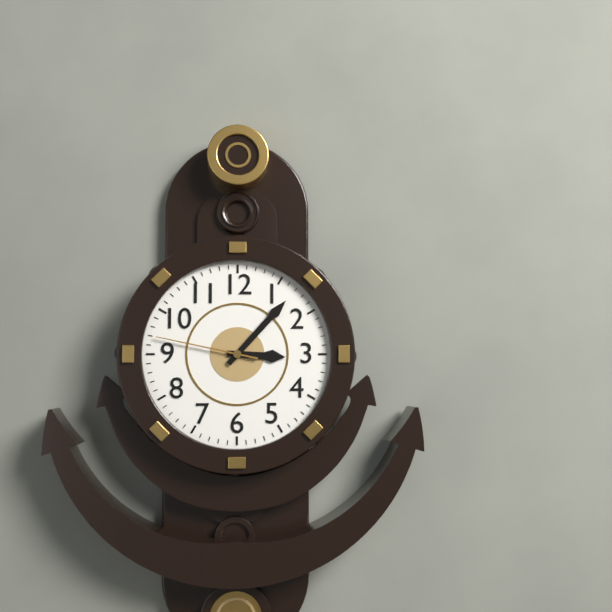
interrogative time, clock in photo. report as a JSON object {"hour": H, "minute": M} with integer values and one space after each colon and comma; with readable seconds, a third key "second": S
{"hour": 3, "minute": 7, "second": 47}
